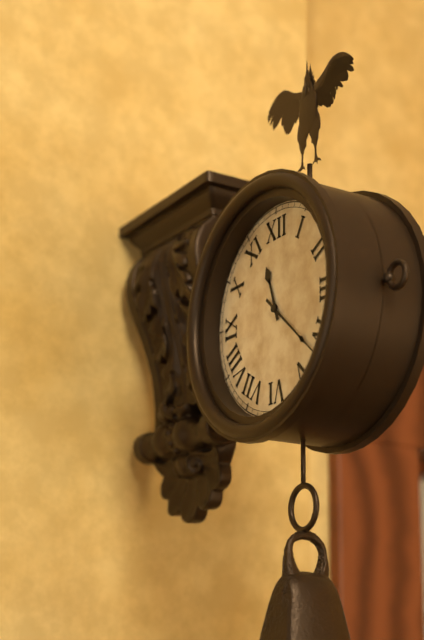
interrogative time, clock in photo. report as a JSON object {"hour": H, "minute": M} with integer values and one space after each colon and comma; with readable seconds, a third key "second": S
{"hour": 11, "minute": 22}
